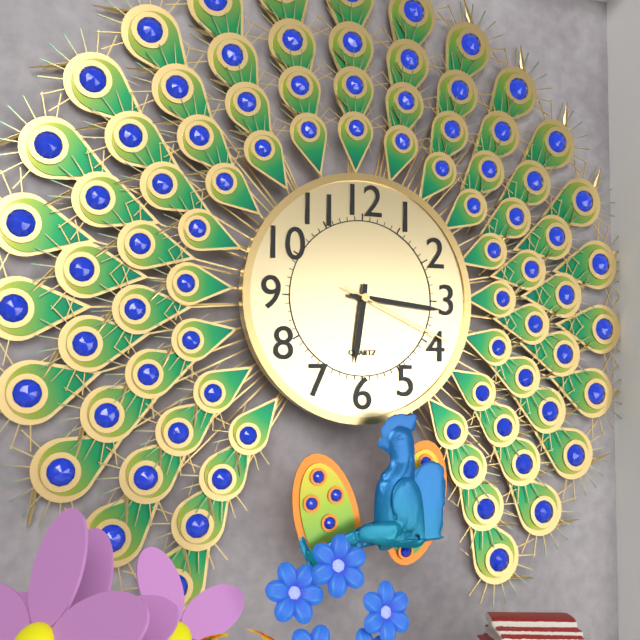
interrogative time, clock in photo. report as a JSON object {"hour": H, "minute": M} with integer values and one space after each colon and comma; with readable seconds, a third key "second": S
{"hour": 6, "minute": 16, "second": 19}
